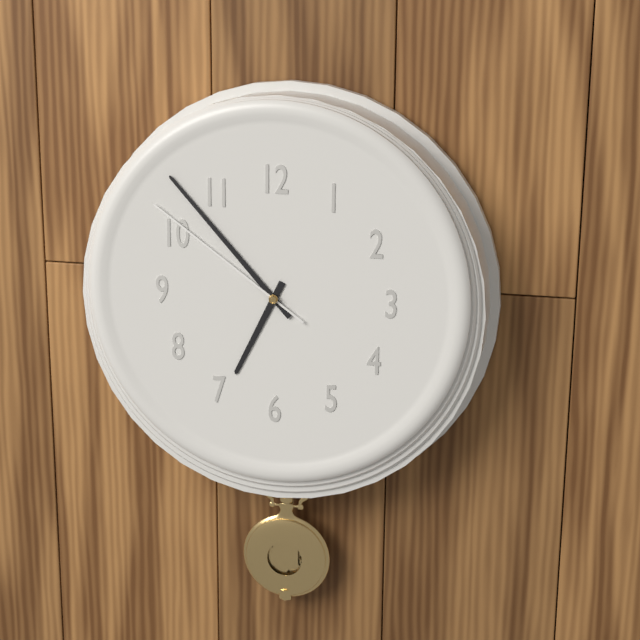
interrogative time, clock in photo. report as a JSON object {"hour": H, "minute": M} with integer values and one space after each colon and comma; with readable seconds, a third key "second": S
{"hour": 6, "minute": 53, "second": 51}
